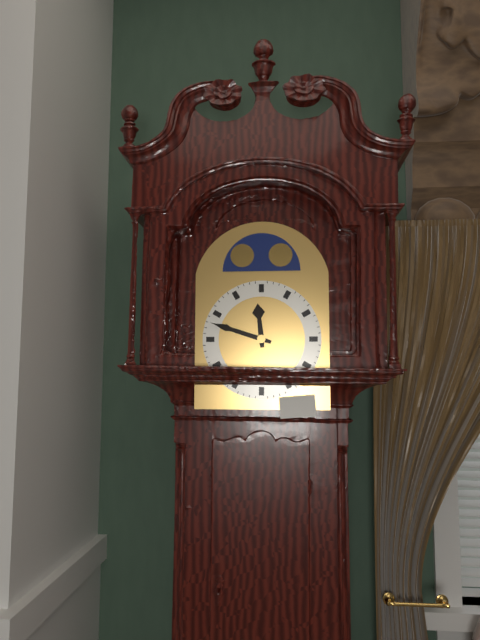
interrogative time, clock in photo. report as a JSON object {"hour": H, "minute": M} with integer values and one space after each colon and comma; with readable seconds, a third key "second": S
{"hour": 11, "minute": 48}
